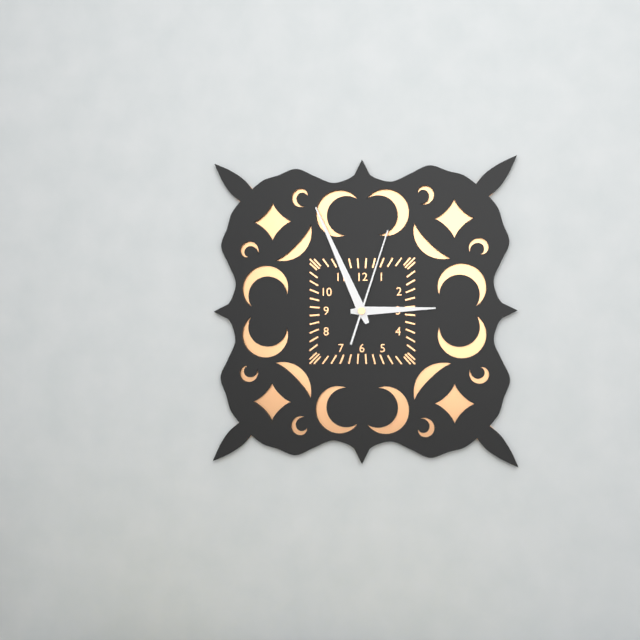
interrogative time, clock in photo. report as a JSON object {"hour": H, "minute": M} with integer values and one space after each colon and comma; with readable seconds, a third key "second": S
{"hour": 2, "minute": 56, "second": 3}
